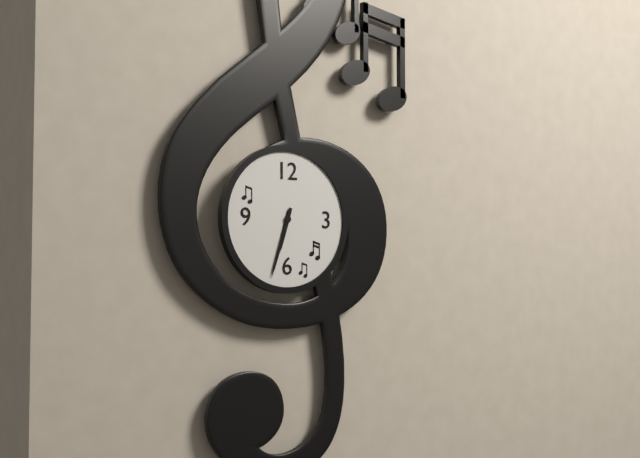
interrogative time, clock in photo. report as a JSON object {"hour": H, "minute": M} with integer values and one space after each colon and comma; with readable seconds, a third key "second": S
{"hour": 6, "minute": 33}
